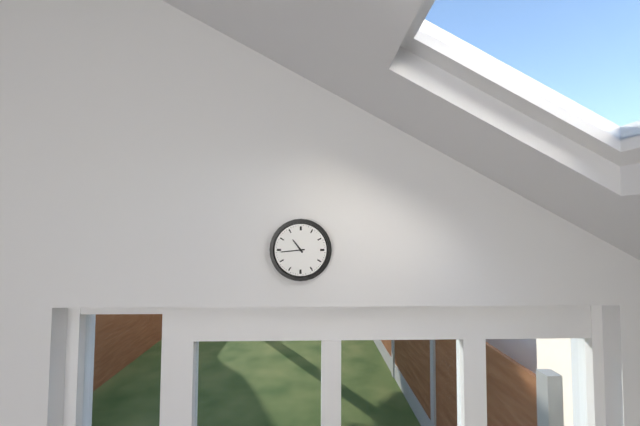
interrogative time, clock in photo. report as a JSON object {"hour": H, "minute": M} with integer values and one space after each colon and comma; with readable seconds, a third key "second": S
{"hour": 10, "minute": 44}
